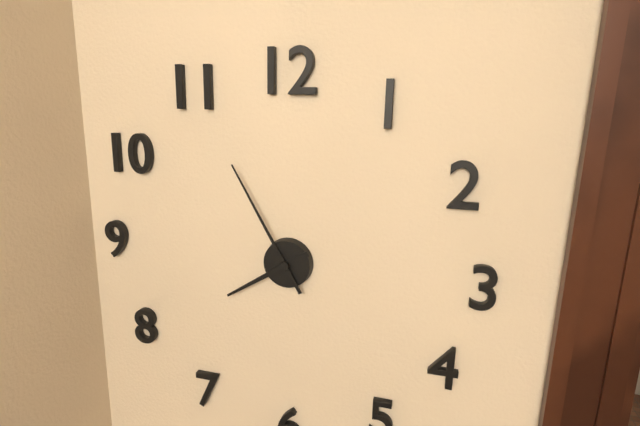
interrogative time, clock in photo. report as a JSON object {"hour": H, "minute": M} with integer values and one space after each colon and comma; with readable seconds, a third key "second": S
{"hour": 7, "minute": 55}
